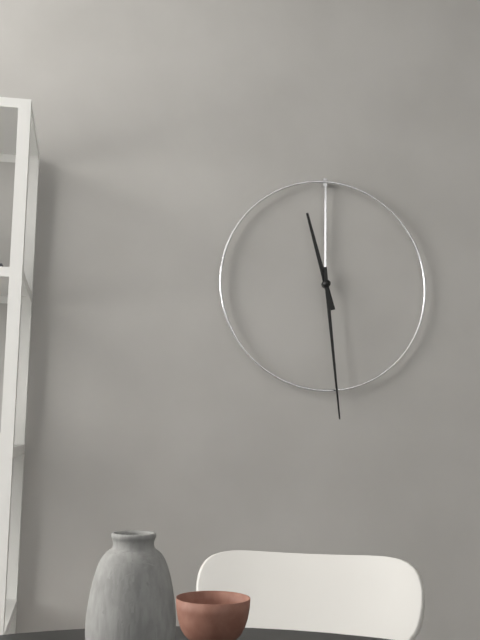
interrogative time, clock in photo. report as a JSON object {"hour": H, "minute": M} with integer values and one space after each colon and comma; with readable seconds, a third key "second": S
{"hour": 11, "minute": 29}
